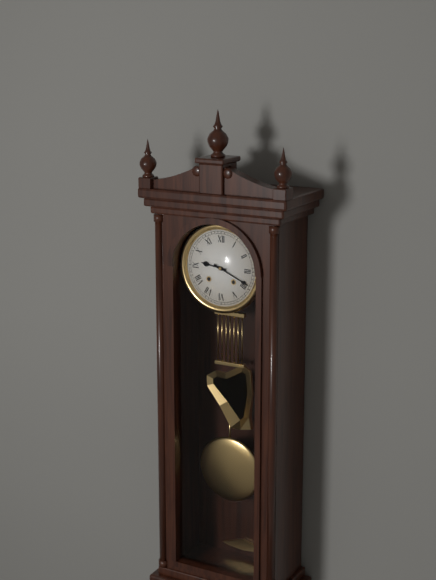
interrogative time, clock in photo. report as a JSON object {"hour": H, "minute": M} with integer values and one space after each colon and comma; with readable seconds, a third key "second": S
{"hour": 9, "minute": 19}
